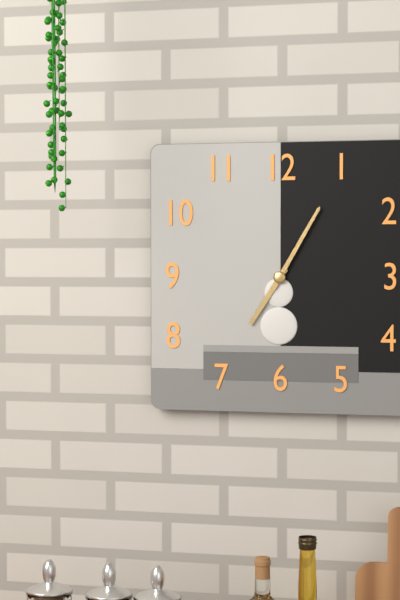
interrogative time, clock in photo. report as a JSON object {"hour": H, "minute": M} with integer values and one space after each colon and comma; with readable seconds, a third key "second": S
{"hour": 7, "minute": 5}
